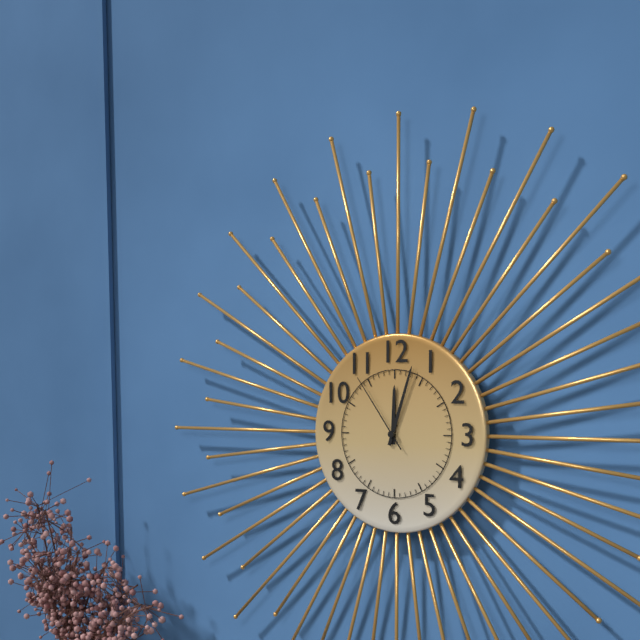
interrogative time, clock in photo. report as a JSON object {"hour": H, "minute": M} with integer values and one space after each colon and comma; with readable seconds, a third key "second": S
{"hour": 12, "minute": 3, "second": 54}
